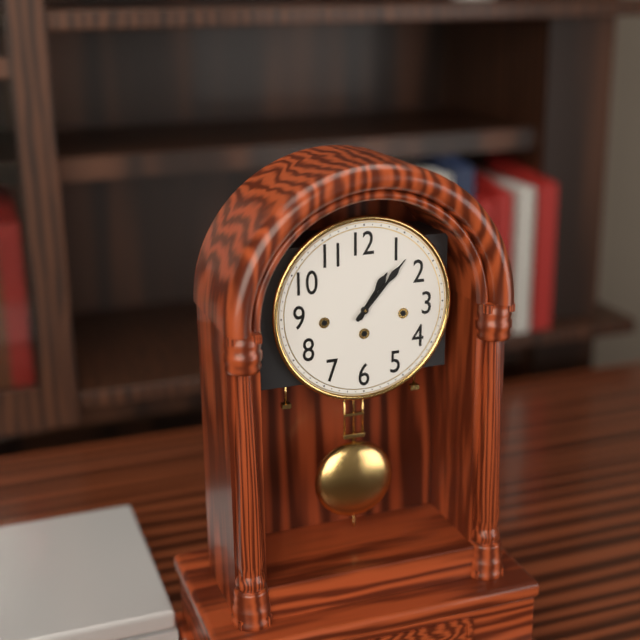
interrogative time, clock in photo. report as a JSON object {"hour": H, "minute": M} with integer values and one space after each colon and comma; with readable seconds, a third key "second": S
{"hour": 1, "minute": 7}
